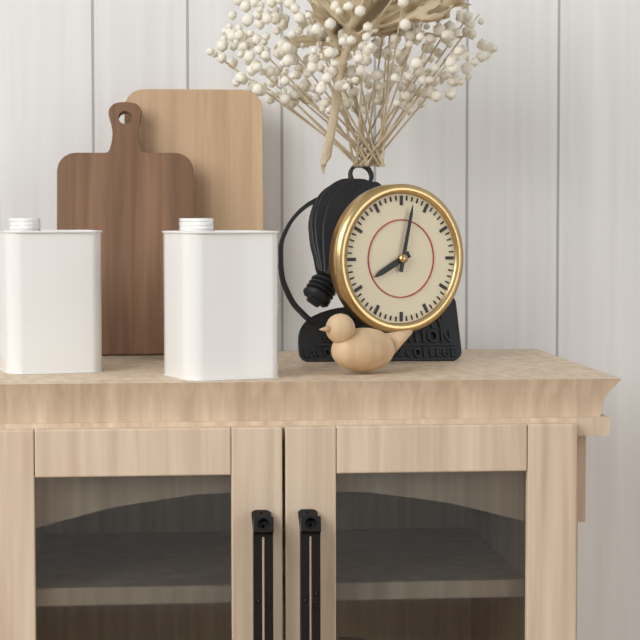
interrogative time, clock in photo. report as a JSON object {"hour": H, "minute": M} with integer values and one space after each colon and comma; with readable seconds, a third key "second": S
{"hour": 8, "minute": 2}
